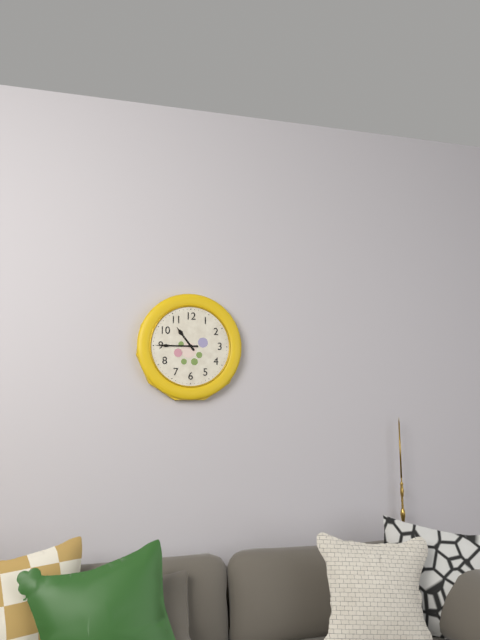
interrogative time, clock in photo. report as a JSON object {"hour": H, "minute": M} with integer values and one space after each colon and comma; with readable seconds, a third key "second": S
{"hour": 10, "minute": 45}
